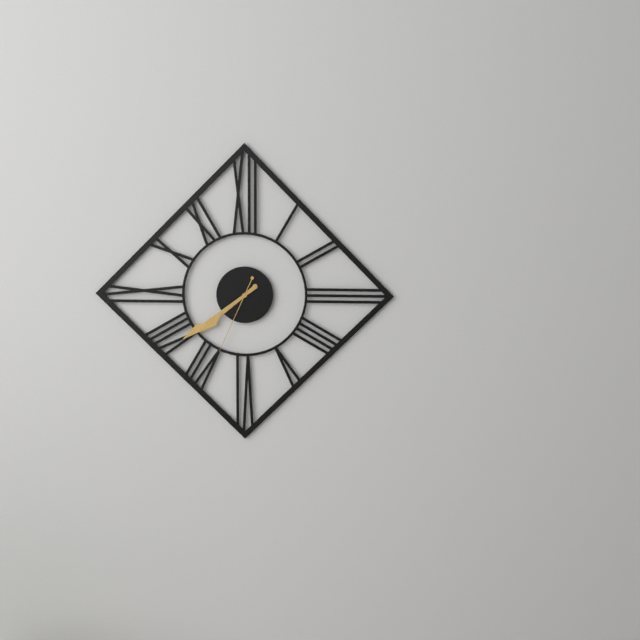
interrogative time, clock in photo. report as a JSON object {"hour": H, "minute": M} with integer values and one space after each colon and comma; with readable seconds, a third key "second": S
{"hour": 7, "minute": 39, "second": 34}
